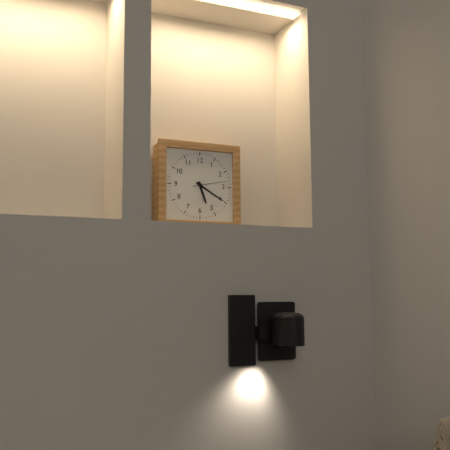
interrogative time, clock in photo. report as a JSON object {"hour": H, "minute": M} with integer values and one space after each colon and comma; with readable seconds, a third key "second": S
{"hour": 5, "minute": 20}
